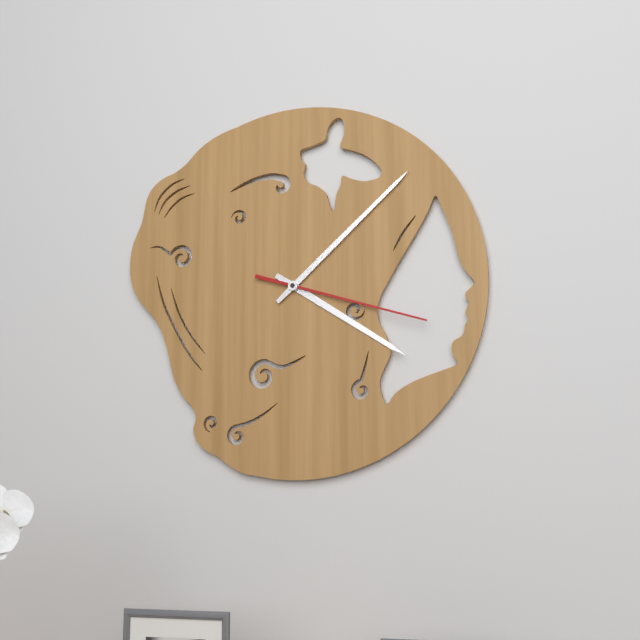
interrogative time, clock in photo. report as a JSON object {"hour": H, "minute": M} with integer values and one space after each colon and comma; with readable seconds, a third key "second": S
{"hour": 4, "minute": 8, "second": 18}
